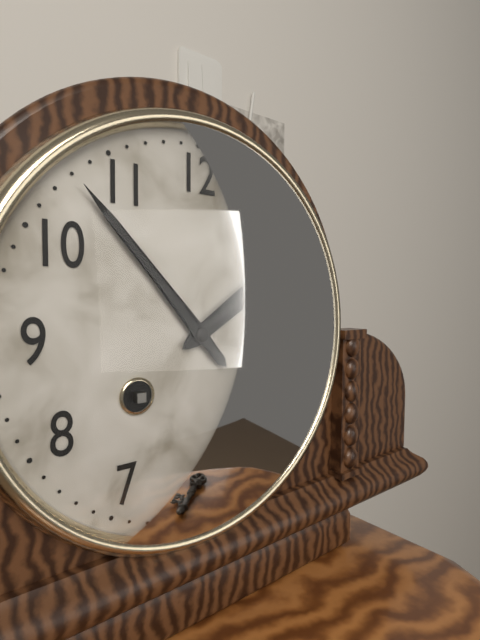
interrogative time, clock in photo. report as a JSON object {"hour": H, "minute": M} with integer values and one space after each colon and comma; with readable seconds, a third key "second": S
{"hour": 1, "minute": 53}
